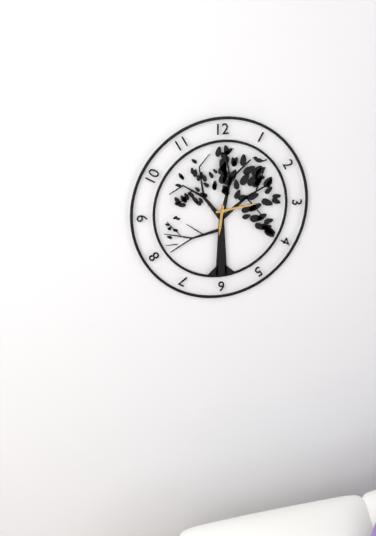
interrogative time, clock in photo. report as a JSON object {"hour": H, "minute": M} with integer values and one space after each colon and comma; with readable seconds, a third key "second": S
{"hour": 6, "minute": 14}
